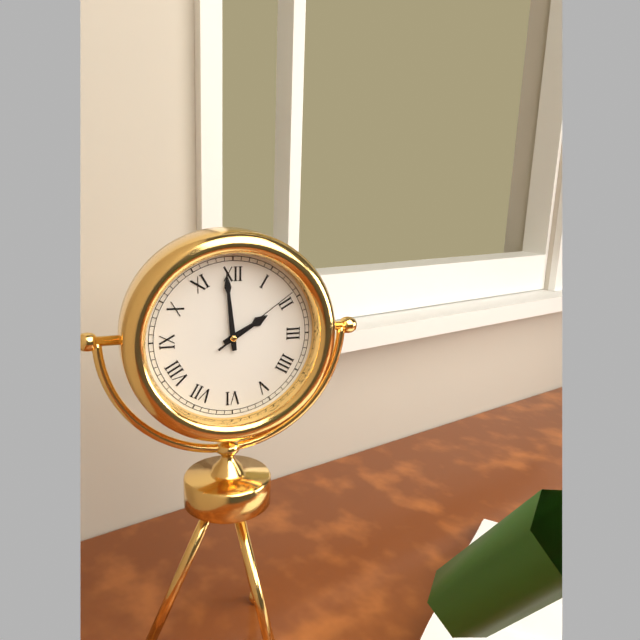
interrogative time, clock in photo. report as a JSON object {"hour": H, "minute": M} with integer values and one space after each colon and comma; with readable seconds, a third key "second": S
{"hour": 1, "minute": 59, "second": 9}
